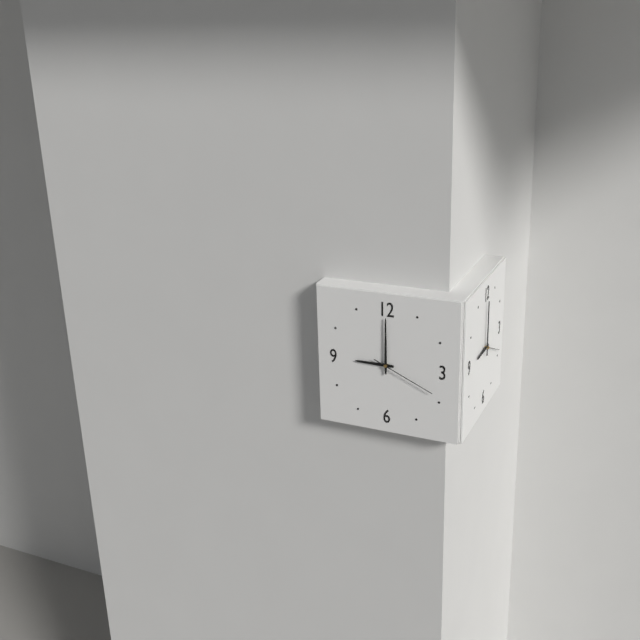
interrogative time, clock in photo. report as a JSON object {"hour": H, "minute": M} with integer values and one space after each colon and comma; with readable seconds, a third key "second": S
{"hour": 9, "minute": 0, "second": 19}
